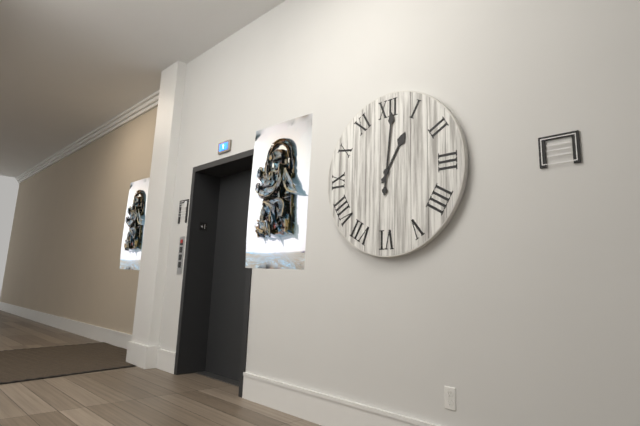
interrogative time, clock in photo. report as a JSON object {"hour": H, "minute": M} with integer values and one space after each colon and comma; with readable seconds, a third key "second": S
{"hour": 1, "minute": 1}
